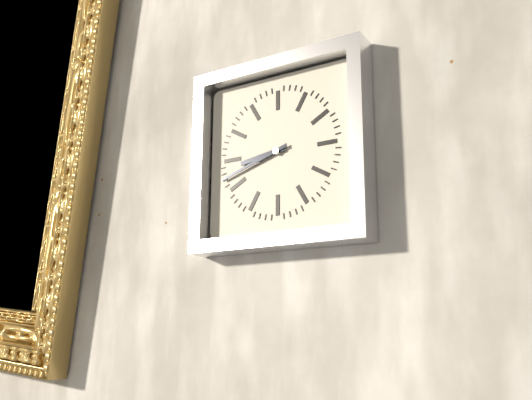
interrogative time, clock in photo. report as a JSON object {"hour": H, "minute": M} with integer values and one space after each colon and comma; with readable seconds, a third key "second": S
{"hour": 8, "minute": 42}
